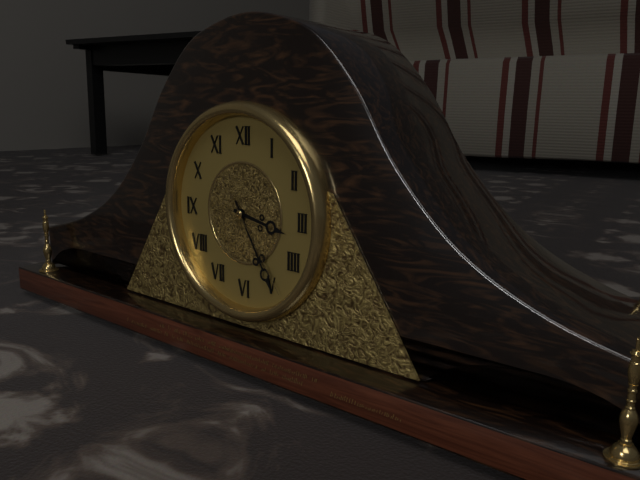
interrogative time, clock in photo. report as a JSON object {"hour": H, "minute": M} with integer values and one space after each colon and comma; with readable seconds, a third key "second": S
{"hour": 3, "minute": 25, "second": 24}
